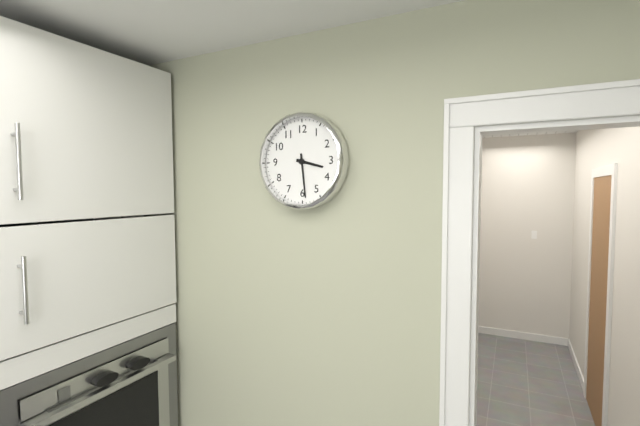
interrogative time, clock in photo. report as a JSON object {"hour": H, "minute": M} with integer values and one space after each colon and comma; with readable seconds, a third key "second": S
{"hour": 3, "minute": 29}
